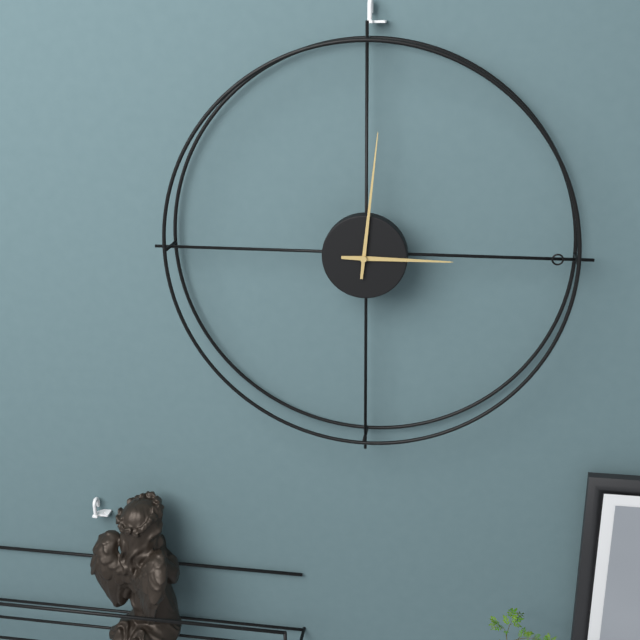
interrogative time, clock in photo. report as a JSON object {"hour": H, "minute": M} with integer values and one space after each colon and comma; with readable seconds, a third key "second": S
{"hour": 3, "minute": 1}
